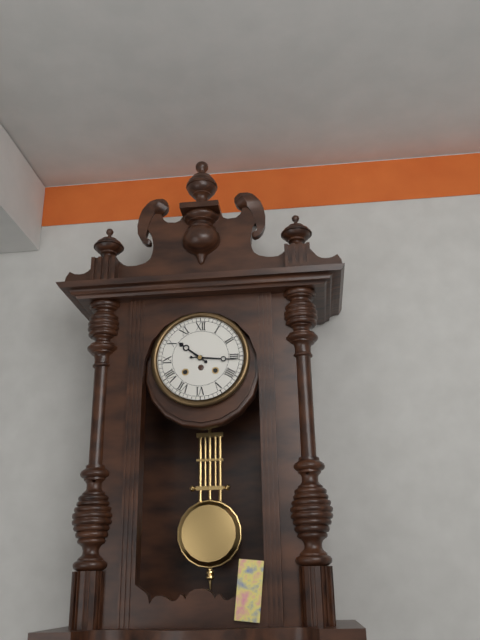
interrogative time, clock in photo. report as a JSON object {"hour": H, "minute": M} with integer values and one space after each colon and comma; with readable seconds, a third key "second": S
{"hour": 10, "minute": 16}
